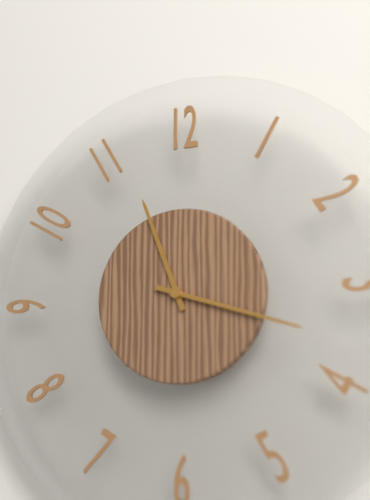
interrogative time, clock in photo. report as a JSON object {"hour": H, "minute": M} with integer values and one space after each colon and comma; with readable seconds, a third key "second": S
{"hour": 11, "minute": 18}
